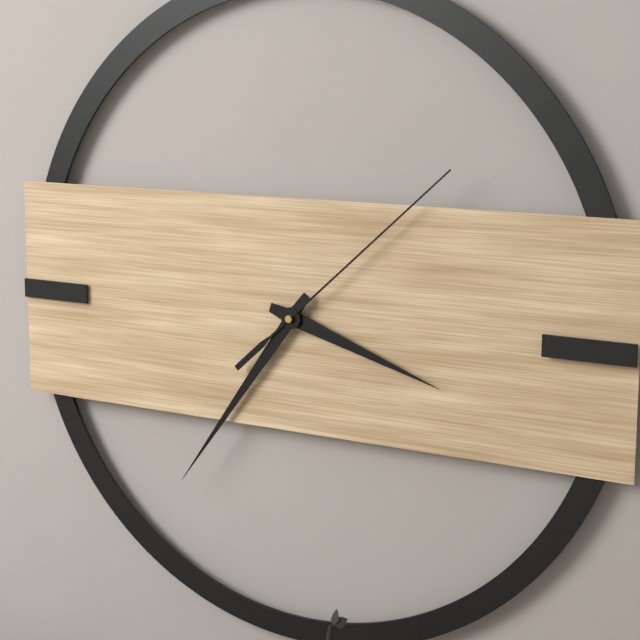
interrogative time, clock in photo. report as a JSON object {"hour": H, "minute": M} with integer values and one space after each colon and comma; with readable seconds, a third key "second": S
{"hour": 3, "minute": 36, "second": 8}
